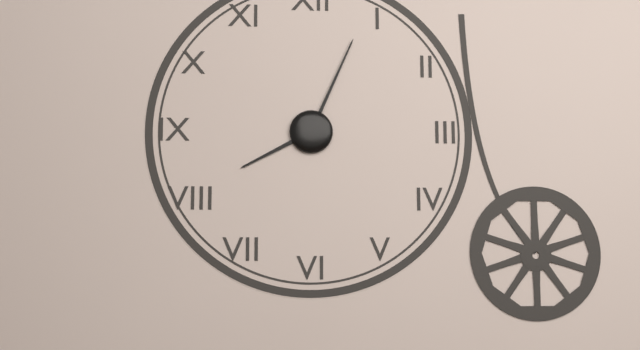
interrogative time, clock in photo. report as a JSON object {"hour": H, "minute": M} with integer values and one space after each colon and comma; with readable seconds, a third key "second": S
{"hour": 8, "minute": 4}
